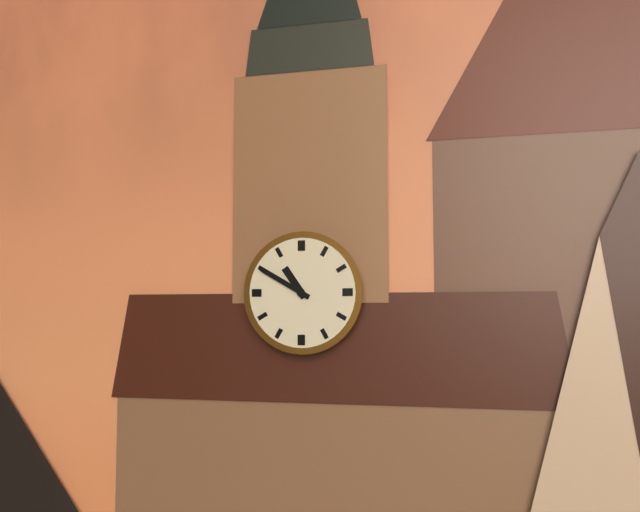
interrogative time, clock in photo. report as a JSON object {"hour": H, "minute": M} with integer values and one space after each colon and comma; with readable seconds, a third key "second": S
{"hour": 10, "minute": 50}
